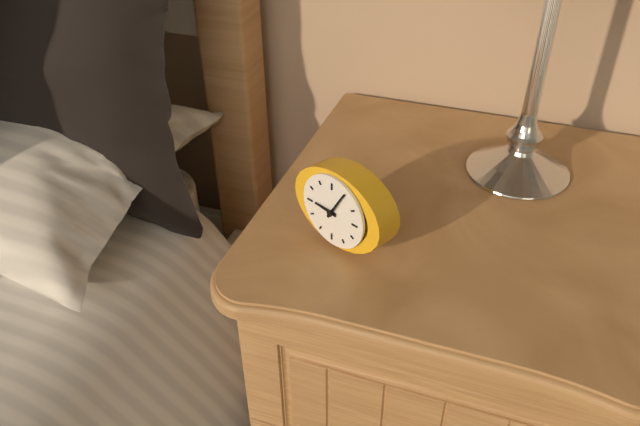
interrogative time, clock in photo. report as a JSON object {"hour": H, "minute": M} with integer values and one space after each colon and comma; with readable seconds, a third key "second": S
{"hour": 9, "minute": 5}
